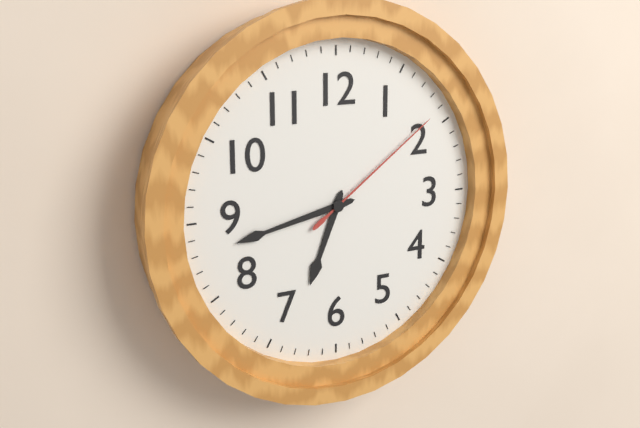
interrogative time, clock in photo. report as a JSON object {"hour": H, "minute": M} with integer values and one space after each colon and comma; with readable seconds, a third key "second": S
{"hour": 6, "minute": 43, "second": 9}
